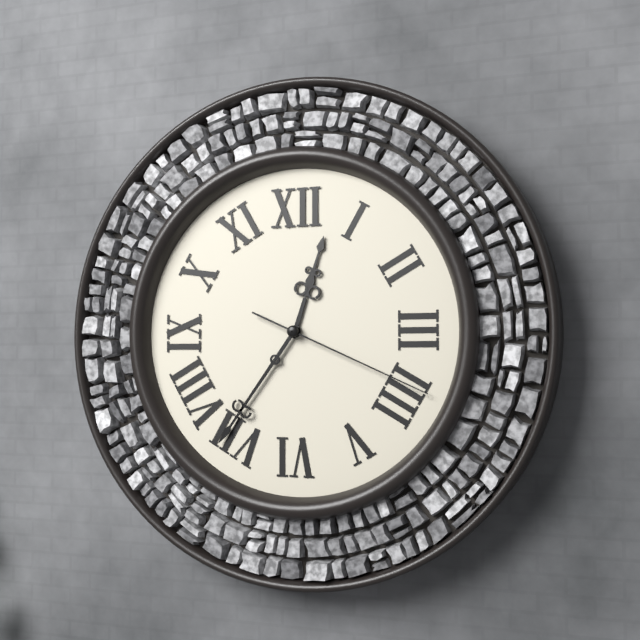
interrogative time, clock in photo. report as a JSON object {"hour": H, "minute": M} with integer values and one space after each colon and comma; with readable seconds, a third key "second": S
{"hour": 12, "minute": 36, "second": 19}
